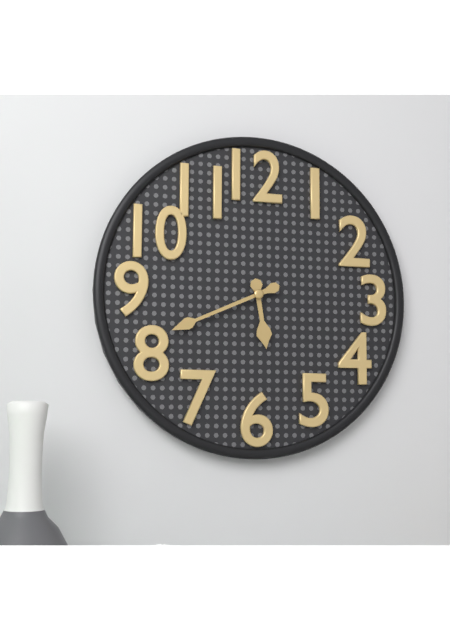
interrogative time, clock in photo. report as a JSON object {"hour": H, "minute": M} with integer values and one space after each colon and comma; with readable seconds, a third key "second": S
{"hour": 5, "minute": 41}
